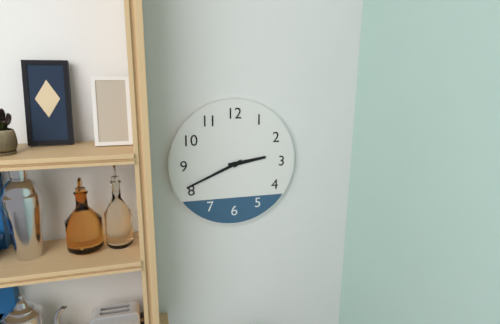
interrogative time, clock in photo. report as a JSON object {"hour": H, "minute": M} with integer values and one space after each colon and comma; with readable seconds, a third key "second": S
{"hour": 2, "minute": 41}
